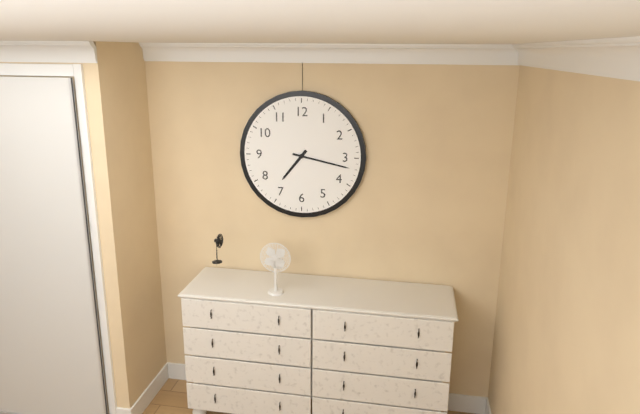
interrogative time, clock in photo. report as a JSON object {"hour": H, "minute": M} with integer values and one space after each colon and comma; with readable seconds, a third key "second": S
{"hour": 7, "minute": 17}
